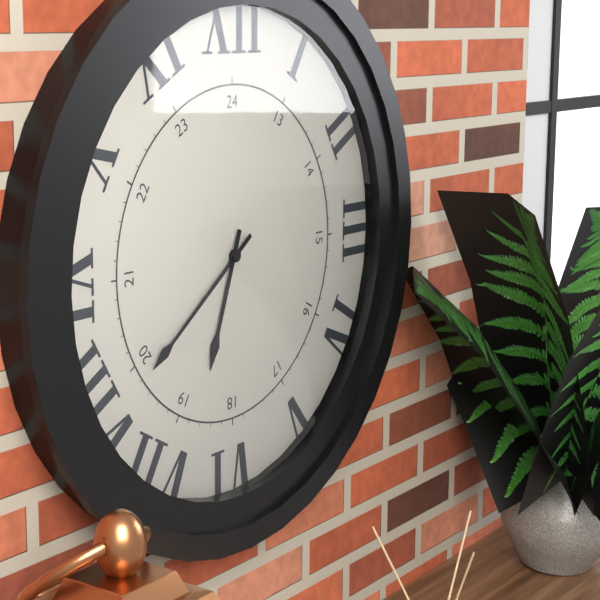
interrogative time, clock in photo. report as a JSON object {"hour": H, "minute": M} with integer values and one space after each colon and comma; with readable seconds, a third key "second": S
{"hour": 6, "minute": 39}
